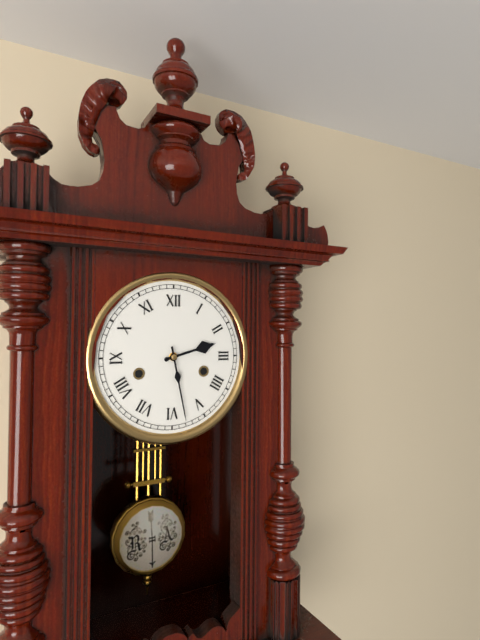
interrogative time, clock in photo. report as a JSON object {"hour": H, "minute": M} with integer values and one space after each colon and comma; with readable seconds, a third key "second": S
{"hour": 2, "minute": 28}
